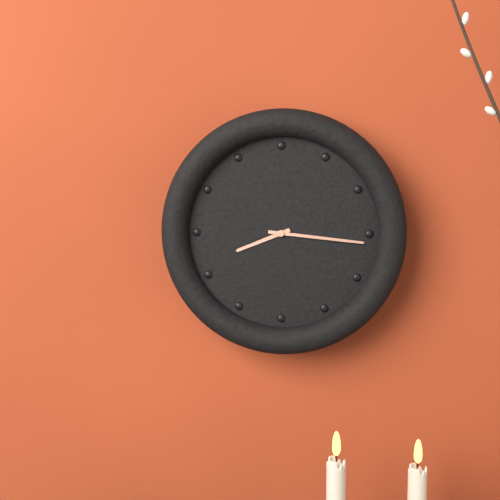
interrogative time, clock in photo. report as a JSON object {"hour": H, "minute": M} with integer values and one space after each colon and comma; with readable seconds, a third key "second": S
{"hour": 8, "minute": 16}
